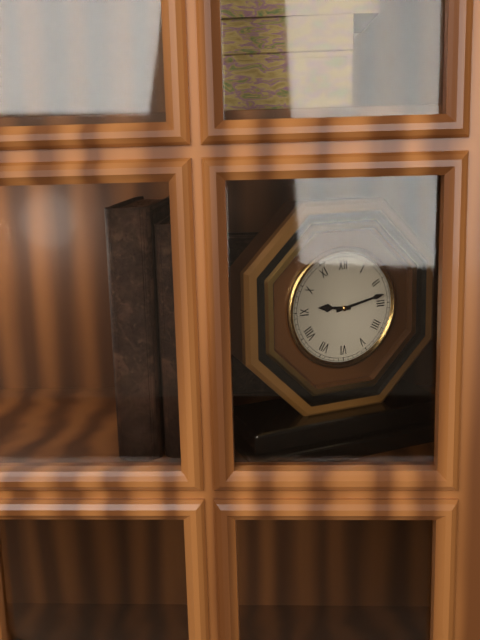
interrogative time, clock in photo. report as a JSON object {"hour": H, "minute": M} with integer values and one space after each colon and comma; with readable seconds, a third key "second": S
{"hour": 9, "minute": 13}
